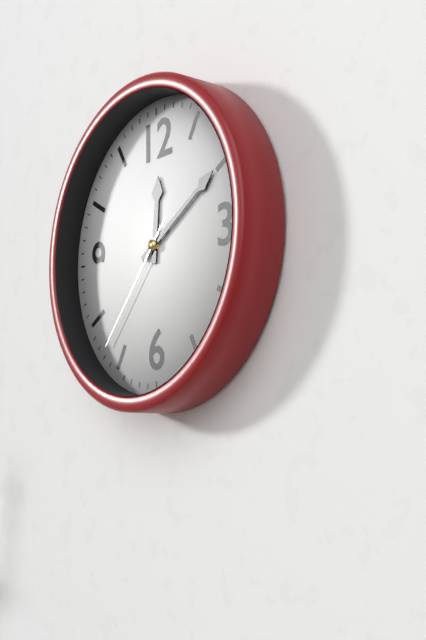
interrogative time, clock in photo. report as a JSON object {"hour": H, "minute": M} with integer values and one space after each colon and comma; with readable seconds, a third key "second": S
{"hour": 12, "minute": 10, "second": 37}
